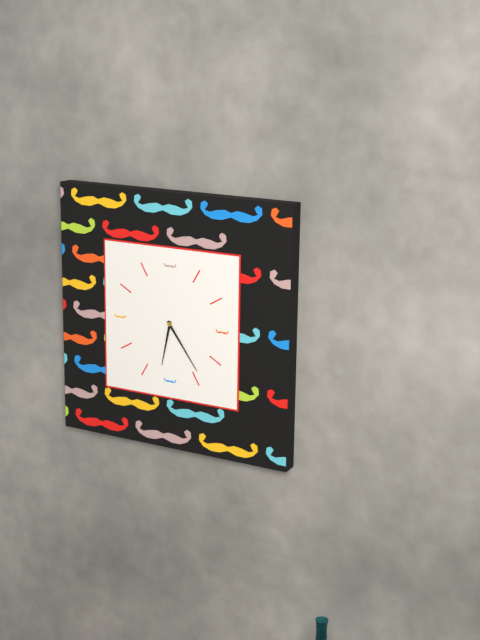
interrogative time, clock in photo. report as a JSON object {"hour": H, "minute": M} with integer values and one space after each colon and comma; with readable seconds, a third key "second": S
{"hour": 6, "minute": 24}
